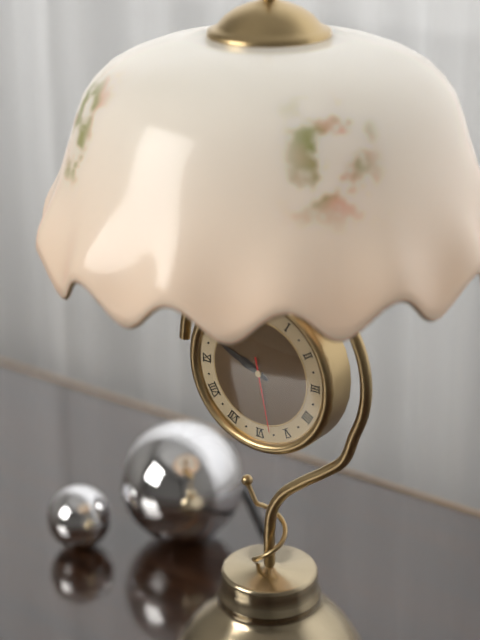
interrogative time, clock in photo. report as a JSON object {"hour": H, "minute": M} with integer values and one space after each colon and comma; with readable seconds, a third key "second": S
{"hour": 9, "minute": 49, "second": 28}
